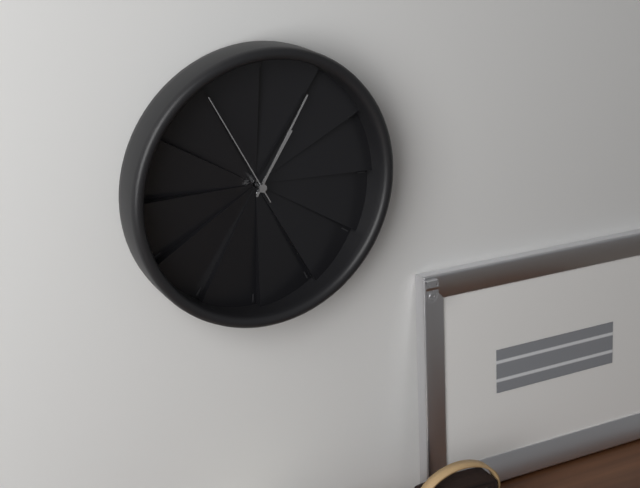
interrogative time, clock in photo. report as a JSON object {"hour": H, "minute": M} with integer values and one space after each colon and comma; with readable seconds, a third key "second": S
{"hour": 1, "minute": 5, "second": 55}
